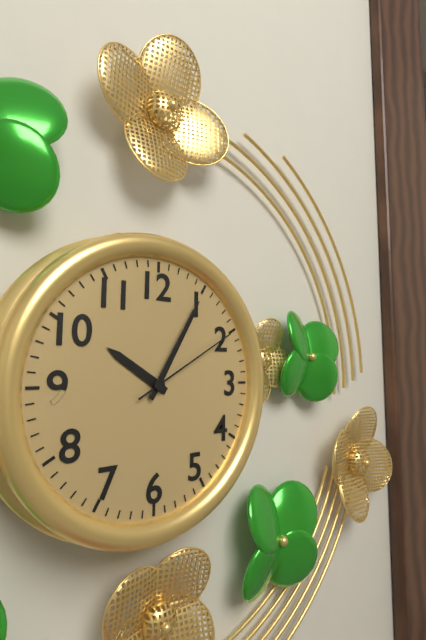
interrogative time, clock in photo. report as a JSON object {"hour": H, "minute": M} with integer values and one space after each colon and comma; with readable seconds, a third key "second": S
{"hour": 10, "minute": 5, "second": 10}
